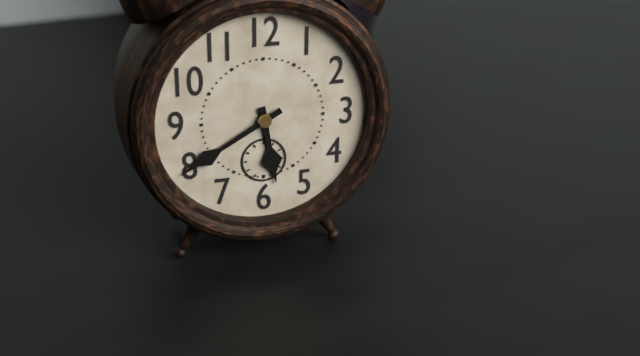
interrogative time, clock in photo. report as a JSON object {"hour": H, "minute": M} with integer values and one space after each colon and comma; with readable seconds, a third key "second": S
{"hour": 5, "minute": 40}
